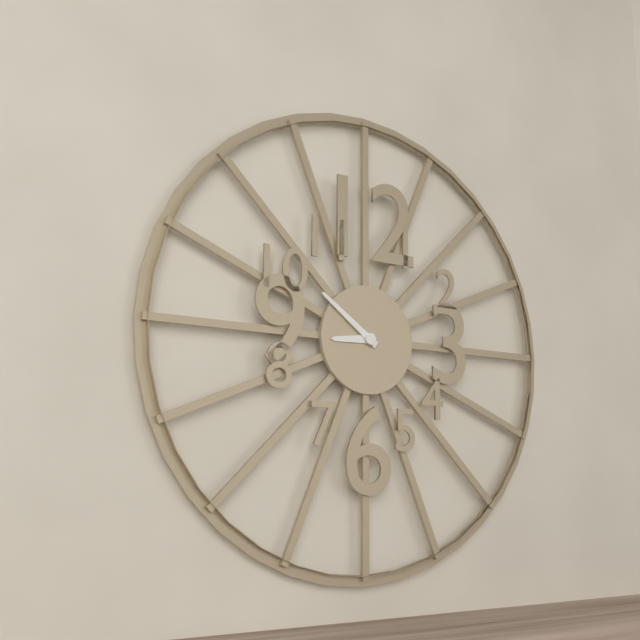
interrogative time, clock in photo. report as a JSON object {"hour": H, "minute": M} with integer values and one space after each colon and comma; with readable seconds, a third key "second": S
{"hour": 8, "minute": 51}
